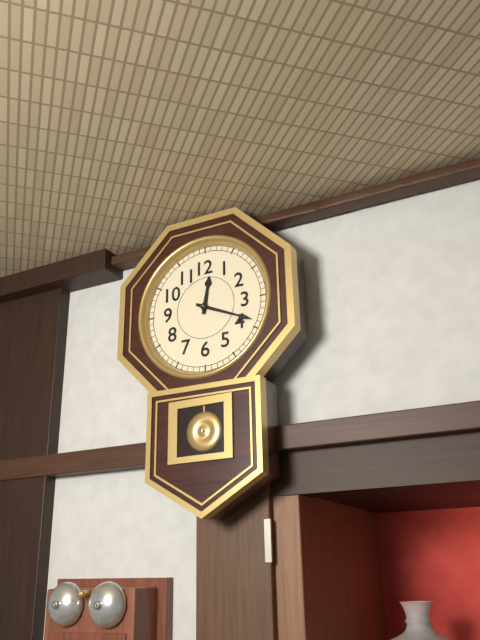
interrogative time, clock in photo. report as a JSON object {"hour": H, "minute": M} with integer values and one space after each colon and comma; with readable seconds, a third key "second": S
{"hour": 12, "minute": 19}
